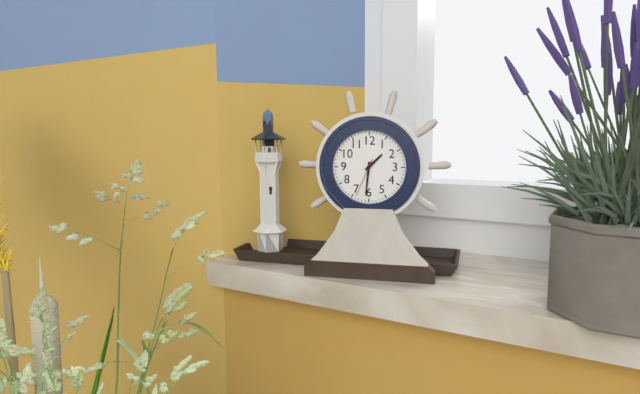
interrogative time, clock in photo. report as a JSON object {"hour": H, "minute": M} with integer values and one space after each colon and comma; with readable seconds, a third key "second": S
{"hour": 1, "minute": 31}
